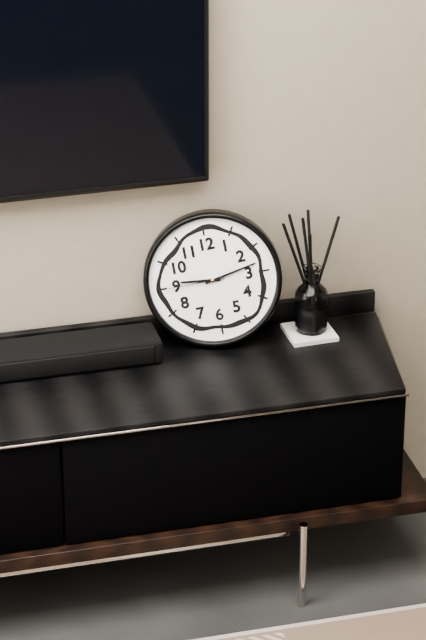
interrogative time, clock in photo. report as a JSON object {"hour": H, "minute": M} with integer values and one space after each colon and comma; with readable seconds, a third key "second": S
{"hour": 9, "minute": 13, "second": 45}
